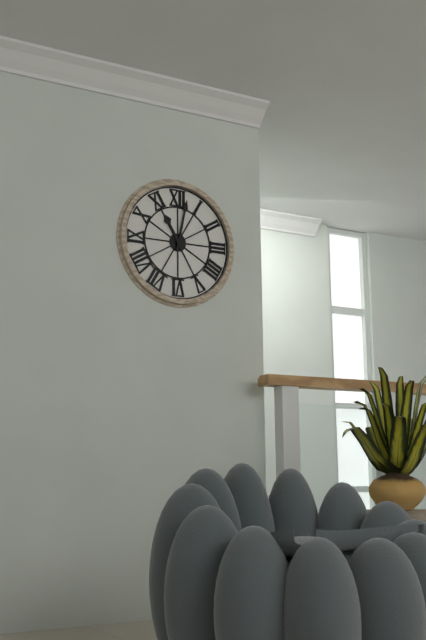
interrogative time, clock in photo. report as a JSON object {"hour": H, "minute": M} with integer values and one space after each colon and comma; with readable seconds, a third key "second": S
{"hour": 11, "minute": 2}
